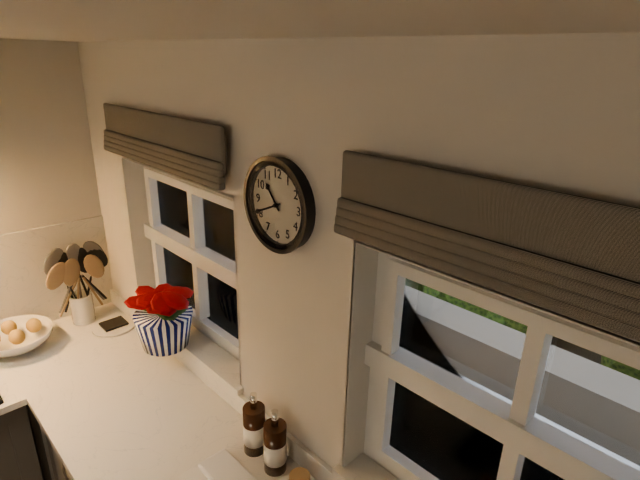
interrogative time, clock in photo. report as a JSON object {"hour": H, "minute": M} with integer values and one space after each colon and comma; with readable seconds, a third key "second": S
{"hour": 10, "minute": 41}
